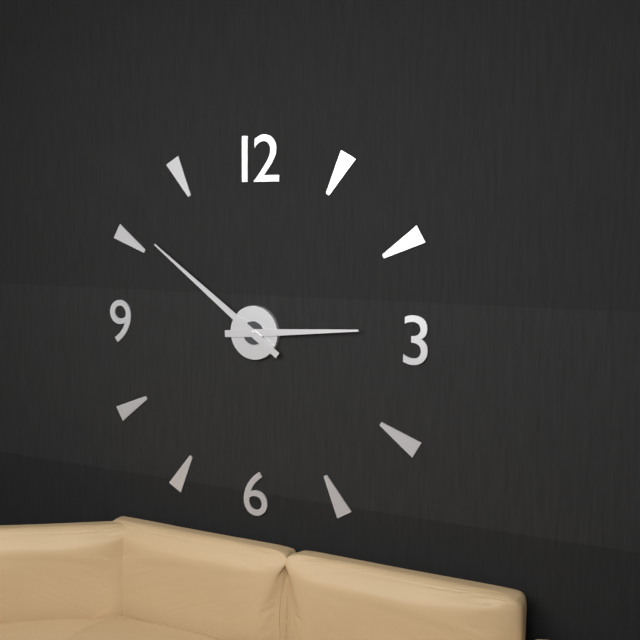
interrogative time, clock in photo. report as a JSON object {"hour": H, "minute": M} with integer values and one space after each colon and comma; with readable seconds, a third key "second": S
{"hour": 2, "minute": 51}
